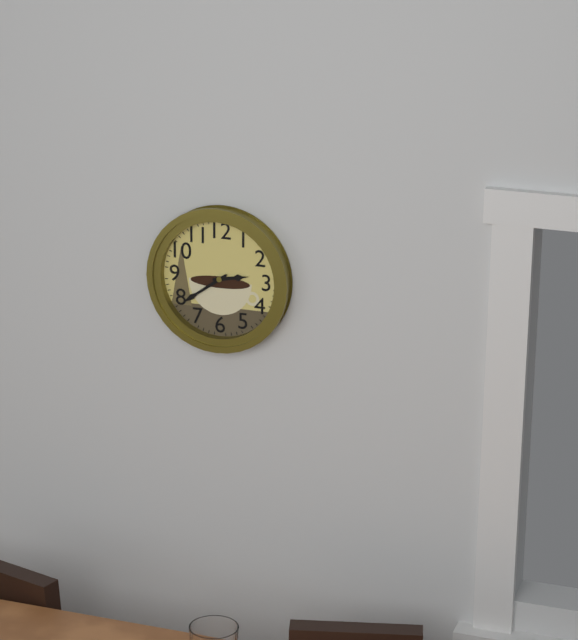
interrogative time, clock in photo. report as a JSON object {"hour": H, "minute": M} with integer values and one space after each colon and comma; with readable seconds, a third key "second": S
{"hour": 2, "minute": 39}
